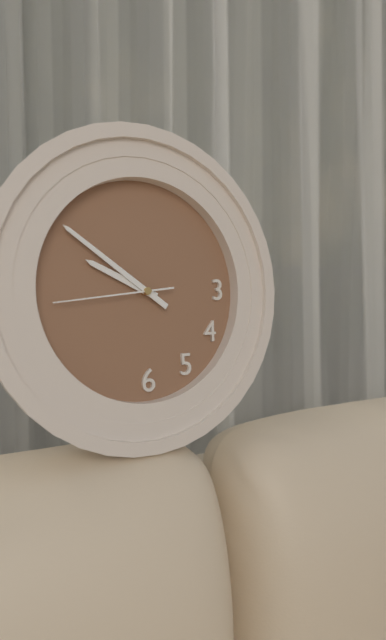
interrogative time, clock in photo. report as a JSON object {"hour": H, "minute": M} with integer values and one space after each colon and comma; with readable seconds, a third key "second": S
{"hour": 9, "minute": 51, "second": 44}
